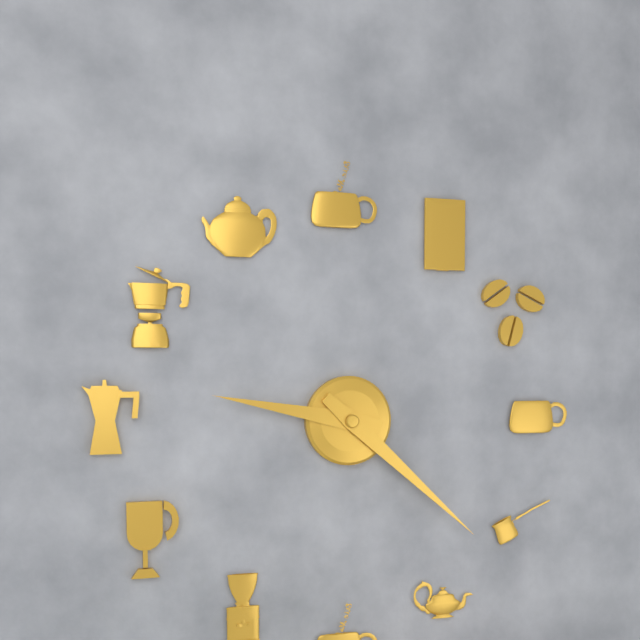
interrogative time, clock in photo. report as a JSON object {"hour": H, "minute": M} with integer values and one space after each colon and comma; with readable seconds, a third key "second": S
{"hour": 9, "minute": 22}
